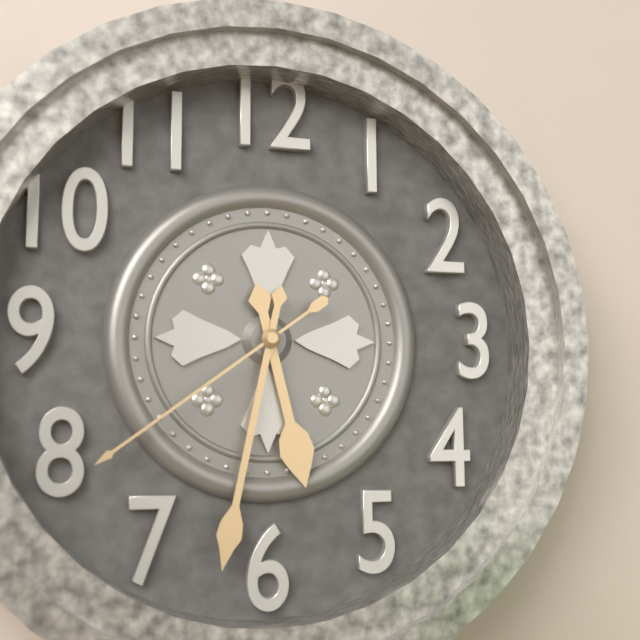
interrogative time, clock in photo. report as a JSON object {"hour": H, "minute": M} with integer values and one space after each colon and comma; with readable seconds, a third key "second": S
{"hour": 5, "minute": 32, "second": 39}
